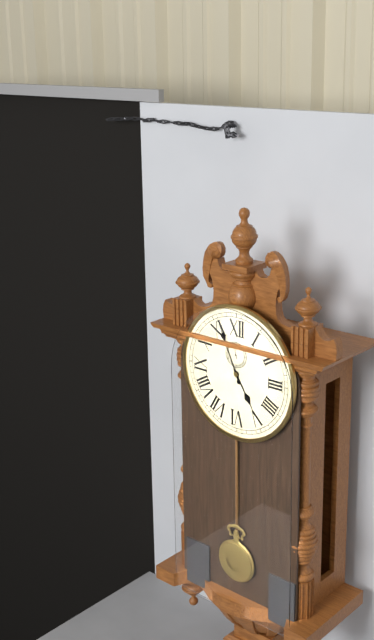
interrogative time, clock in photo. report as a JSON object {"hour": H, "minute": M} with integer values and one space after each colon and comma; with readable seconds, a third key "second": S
{"hour": 4, "minute": 56}
